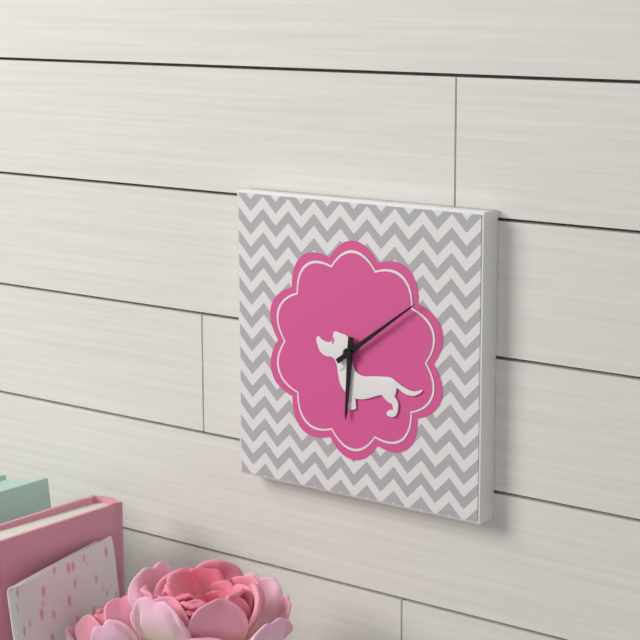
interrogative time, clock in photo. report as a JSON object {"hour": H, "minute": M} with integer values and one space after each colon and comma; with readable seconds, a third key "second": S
{"hour": 6, "minute": 9}
